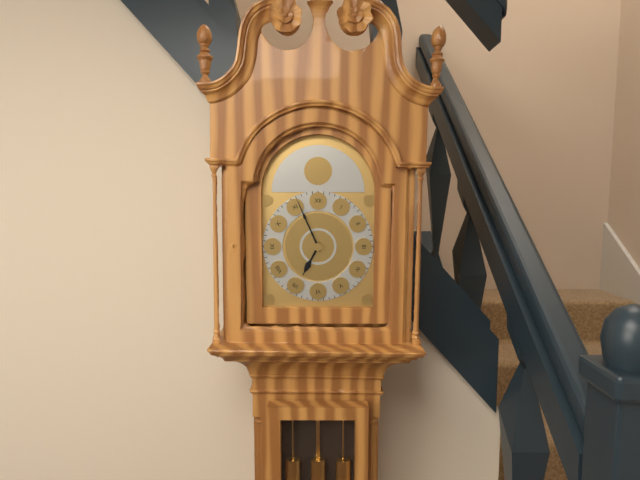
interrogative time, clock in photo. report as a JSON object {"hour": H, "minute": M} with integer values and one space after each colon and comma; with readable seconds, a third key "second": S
{"hour": 6, "minute": 56}
